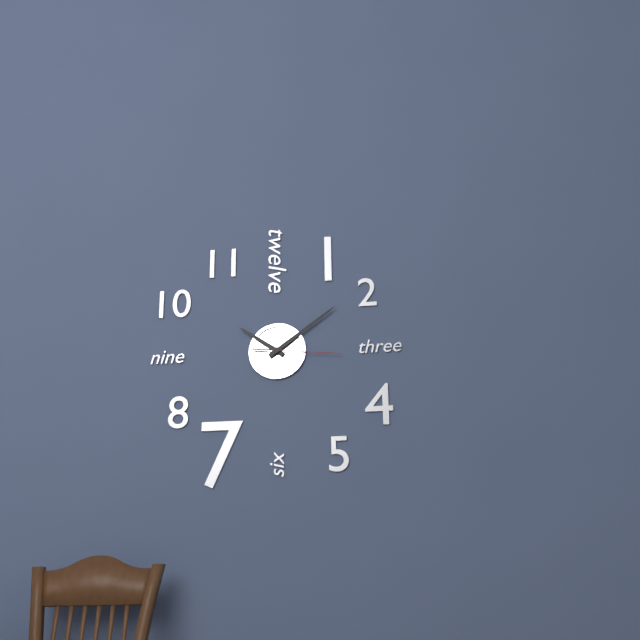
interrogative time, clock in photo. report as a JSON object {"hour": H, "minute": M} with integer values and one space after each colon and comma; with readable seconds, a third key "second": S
{"hour": 10, "minute": 9, "second": 16}
